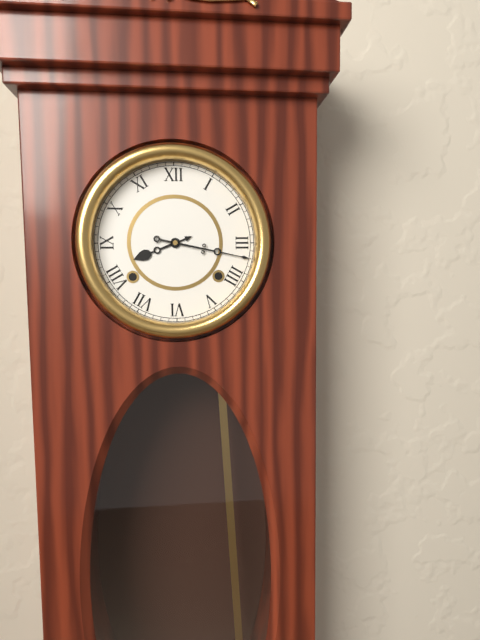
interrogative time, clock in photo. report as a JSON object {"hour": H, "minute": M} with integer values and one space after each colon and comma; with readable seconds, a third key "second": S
{"hour": 8, "minute": 17}
